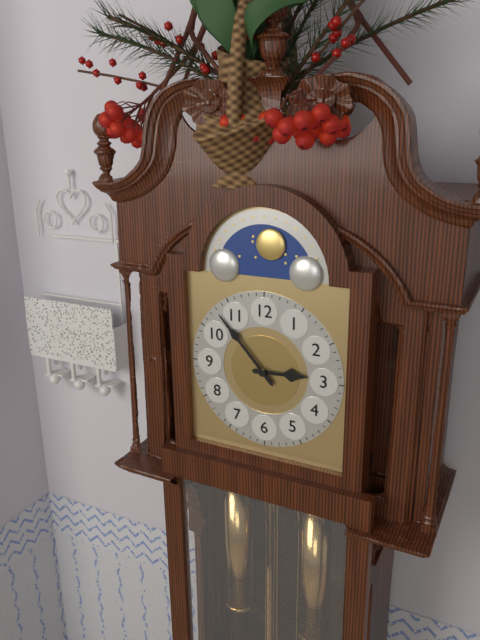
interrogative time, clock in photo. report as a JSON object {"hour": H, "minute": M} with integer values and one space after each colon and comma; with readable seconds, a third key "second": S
{"hour": 2, "minute": 53}
